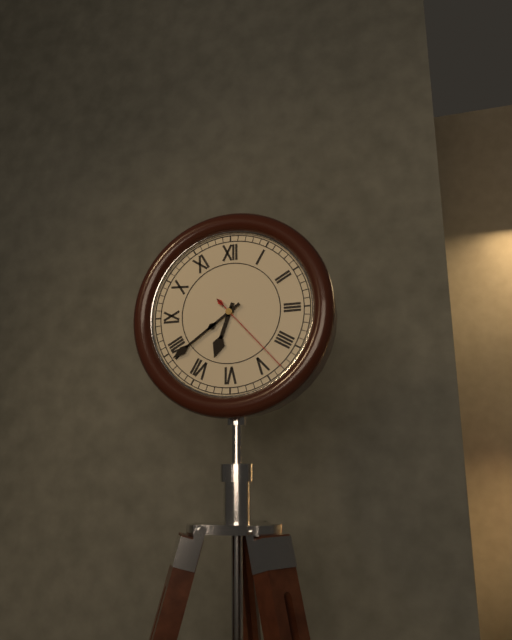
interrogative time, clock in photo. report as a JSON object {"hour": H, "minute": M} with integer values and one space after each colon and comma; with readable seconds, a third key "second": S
{"hour": 6, "minute": 39, "second": 23}
